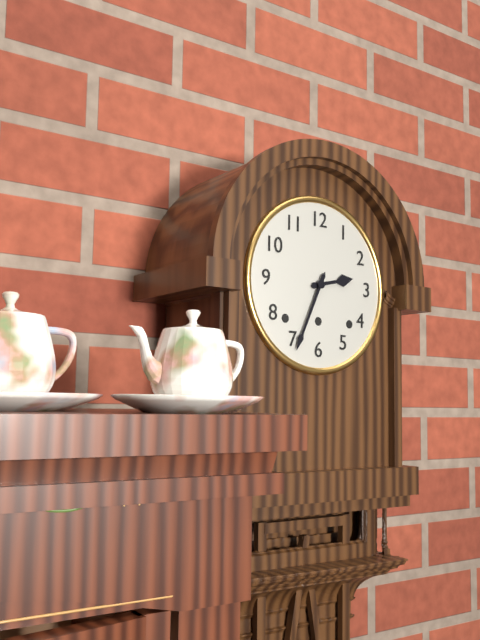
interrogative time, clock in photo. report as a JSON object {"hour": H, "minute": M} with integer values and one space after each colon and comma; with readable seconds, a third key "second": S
{"hour": 2, "minute": 34}
